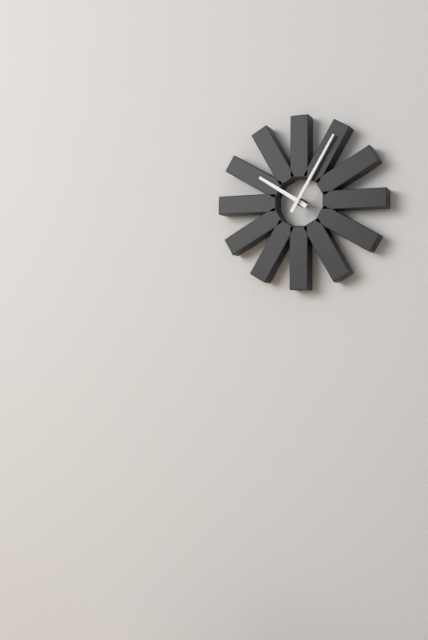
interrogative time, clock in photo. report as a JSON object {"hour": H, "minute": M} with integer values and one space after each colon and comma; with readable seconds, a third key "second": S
{"hour": 10, "minute": 5}
